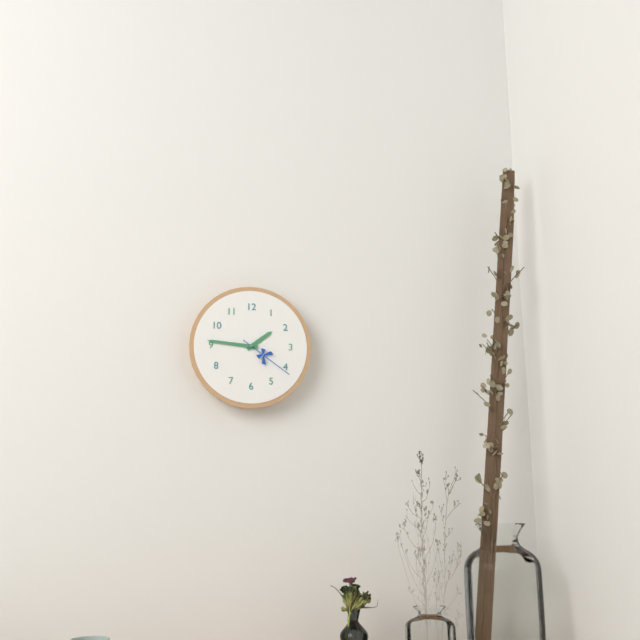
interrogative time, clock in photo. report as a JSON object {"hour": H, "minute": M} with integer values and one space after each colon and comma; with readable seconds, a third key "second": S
{"hour": 1, "minute": 46, "second": 21}
